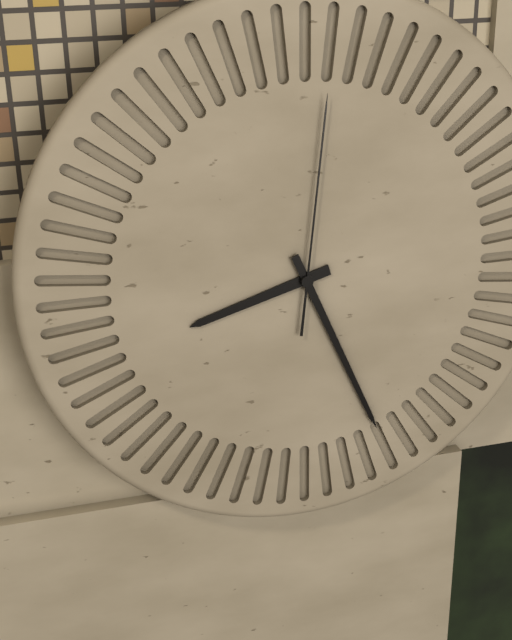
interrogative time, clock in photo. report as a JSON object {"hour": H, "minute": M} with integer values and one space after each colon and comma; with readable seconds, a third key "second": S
{"hour": 8, "minute": 26, "second": 1}
